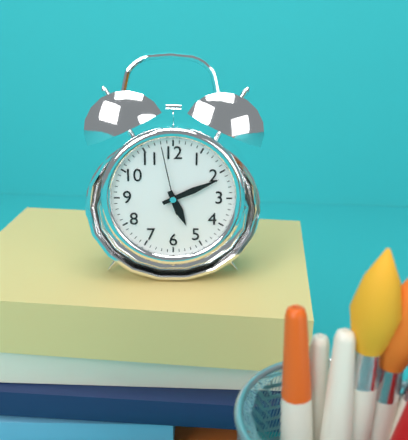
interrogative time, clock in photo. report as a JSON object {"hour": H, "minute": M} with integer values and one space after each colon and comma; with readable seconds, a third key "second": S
{"hour": 5, "minute": 11, "second": 58}
